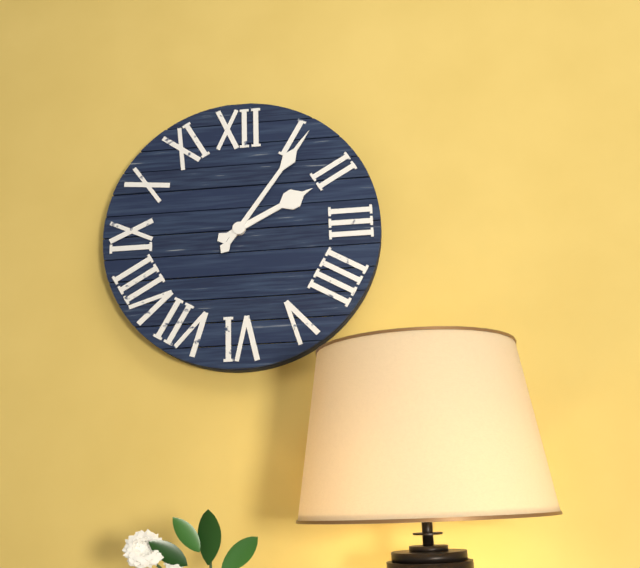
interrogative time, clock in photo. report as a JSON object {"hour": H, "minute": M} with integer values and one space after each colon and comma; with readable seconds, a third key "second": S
{"hour": 2, "minute": 6}
